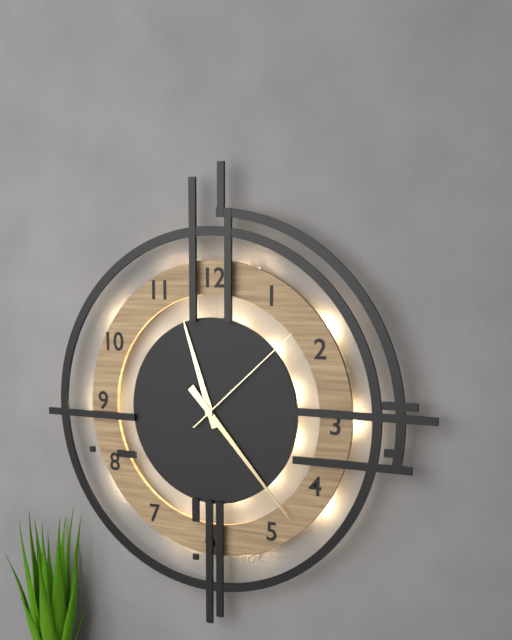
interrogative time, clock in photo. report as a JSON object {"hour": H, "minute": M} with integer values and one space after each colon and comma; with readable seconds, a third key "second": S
{"hour": 11, "minute": 23, "second": 8}
